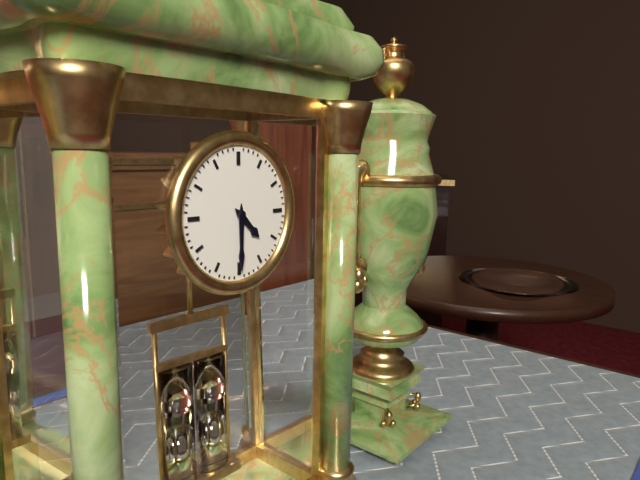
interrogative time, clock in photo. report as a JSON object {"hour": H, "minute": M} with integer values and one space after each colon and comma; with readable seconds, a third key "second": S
{"hour": 4, "minute": 30}
